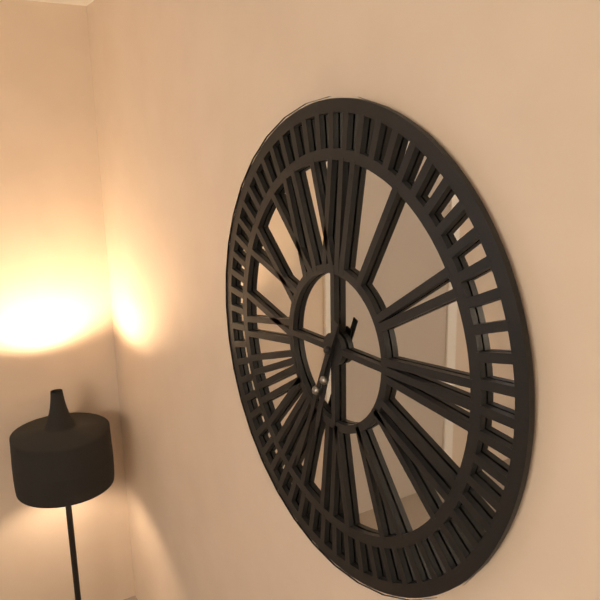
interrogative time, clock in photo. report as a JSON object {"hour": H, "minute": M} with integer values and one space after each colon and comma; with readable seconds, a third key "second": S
{"hour": 6, "minute": 34}
